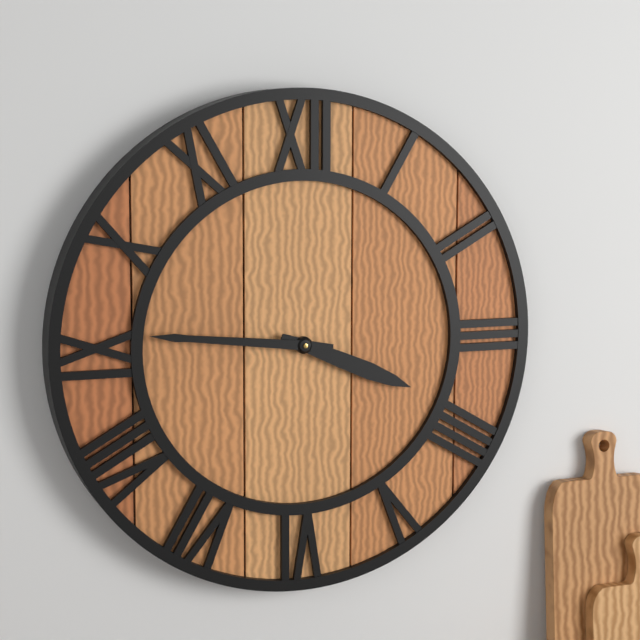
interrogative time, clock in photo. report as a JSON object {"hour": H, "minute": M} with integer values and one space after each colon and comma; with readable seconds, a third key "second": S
{"hour": 3, "minute": 46}
